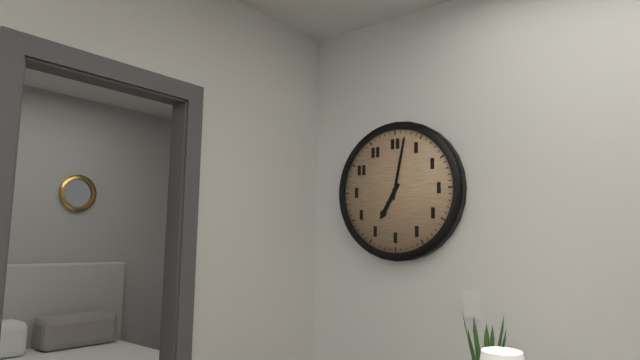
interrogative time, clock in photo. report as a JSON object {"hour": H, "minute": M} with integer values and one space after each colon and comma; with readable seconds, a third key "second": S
{"hour": 7, "minute": 2}
